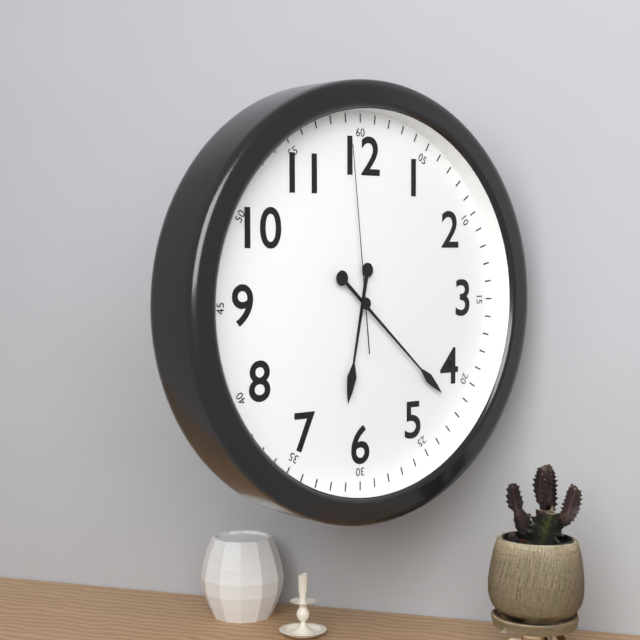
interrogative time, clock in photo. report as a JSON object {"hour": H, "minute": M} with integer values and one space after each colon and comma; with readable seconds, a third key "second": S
{"hour": 6, "minute": 22, "second": 59}
